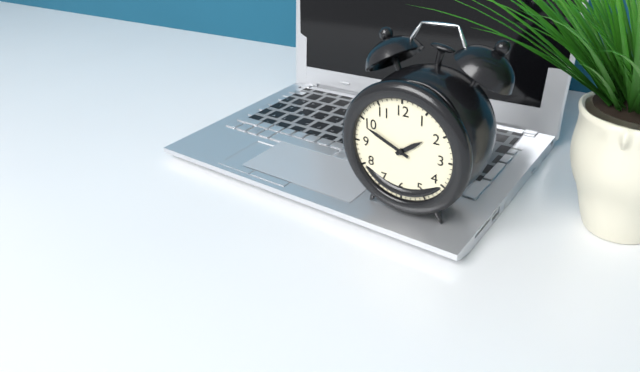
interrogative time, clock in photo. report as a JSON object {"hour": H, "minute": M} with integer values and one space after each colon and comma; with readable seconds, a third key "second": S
{"hour": 1, "minute": 49}
